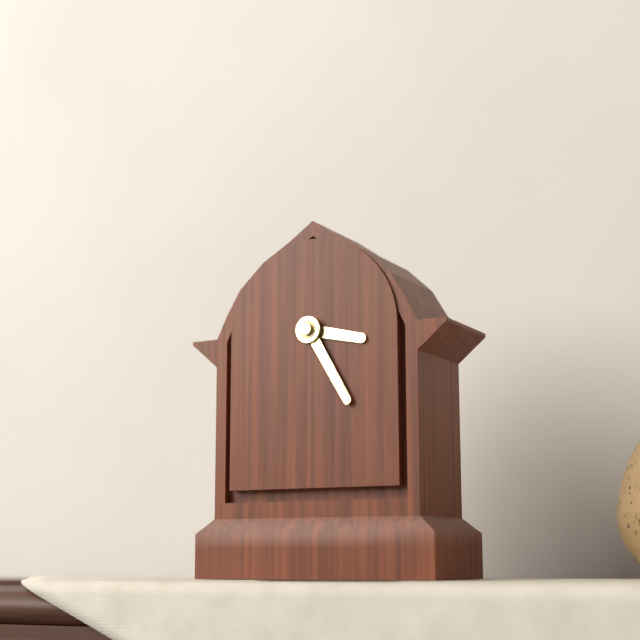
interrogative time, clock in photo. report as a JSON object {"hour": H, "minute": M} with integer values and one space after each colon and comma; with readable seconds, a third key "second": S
{"hour": 3, "minute": 25}
